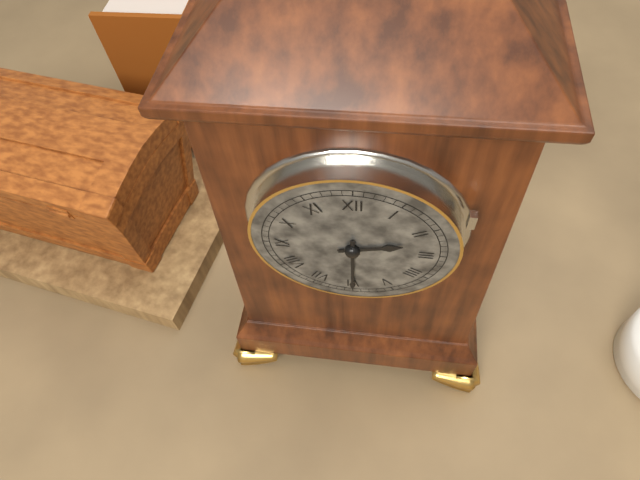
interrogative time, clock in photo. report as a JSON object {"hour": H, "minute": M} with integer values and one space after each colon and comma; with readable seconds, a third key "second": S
{"hour": 2, "minute": 30}
